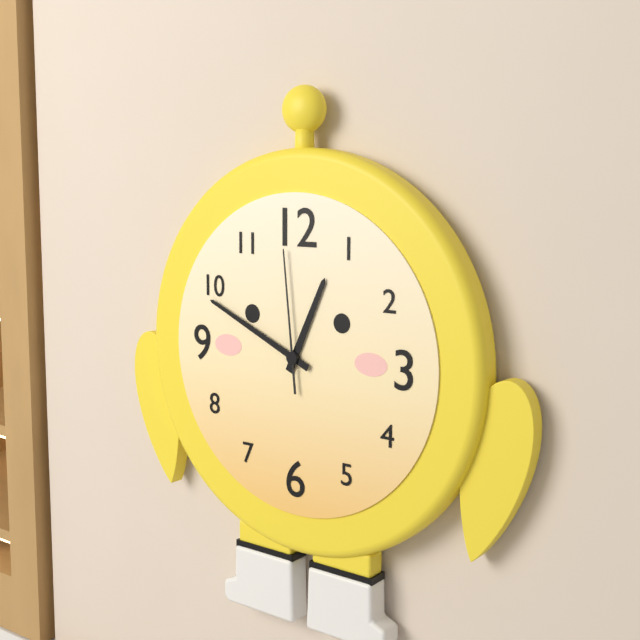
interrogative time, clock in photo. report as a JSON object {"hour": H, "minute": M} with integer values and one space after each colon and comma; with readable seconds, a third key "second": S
{"hour": 12, "minute": 49, "second": 59}
